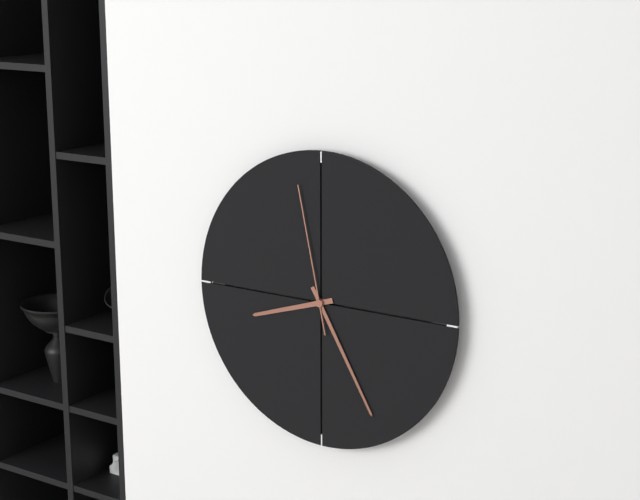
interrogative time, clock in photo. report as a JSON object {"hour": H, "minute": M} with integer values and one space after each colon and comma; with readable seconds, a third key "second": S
{"hour": 8, "minute": 25, "second": 58}
